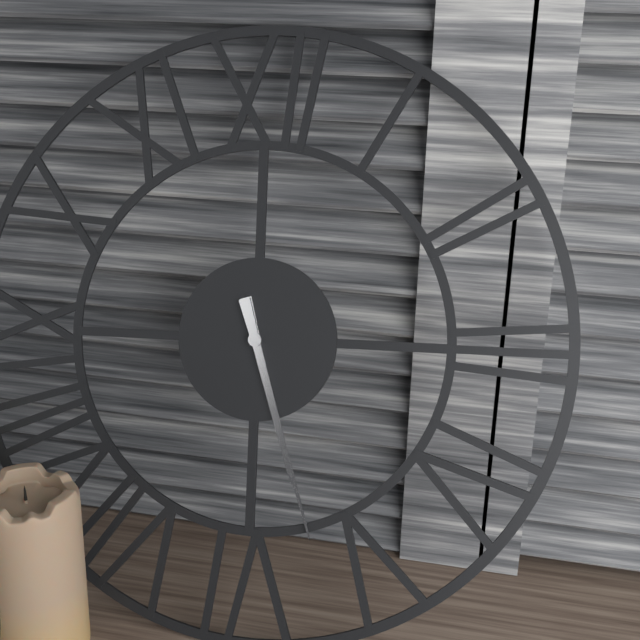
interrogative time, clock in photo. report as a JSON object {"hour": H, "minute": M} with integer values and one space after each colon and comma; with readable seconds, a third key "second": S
{"hour": 5, "minute": 27}
